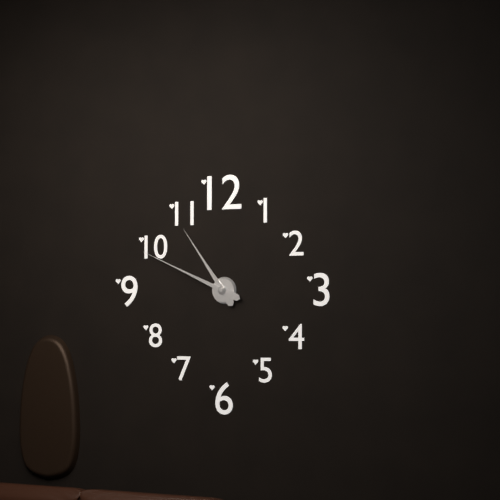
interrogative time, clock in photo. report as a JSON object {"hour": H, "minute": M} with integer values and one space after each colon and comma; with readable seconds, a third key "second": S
{"hour": 10, "minute": 49}
